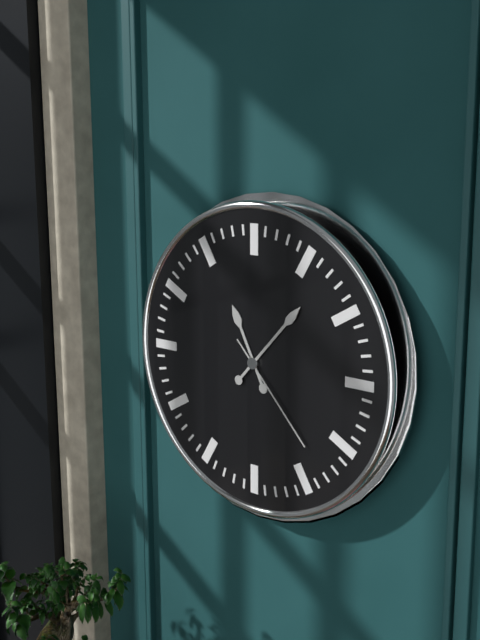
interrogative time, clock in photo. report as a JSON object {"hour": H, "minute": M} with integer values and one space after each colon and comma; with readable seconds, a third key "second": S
{"hour": 11, "minute": 7, "second": 23}
